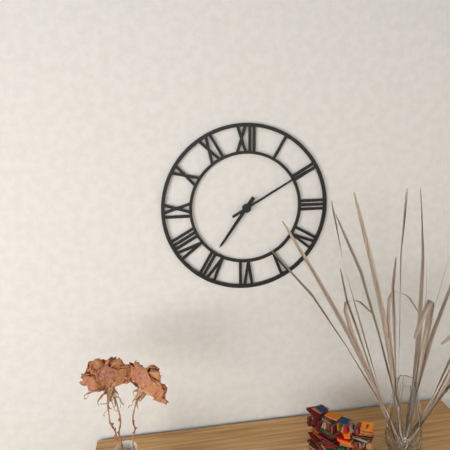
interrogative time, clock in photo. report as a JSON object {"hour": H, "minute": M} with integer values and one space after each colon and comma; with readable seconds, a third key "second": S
{"hour": 7, "minute": 10}
